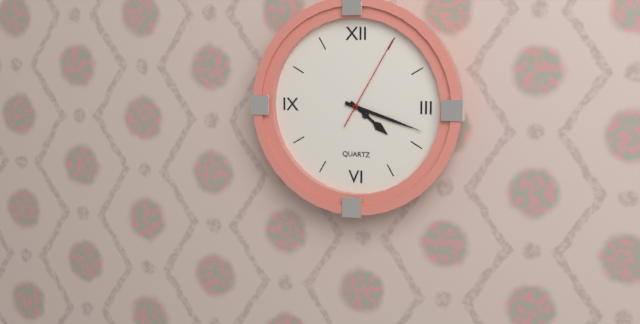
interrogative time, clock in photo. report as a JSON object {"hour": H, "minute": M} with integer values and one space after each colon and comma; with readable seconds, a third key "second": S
{"hour": 4, "minute": 18, "second": 5}
